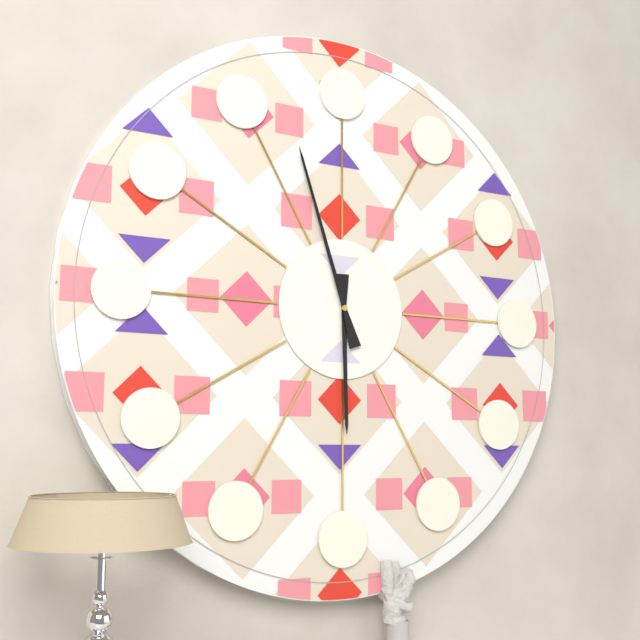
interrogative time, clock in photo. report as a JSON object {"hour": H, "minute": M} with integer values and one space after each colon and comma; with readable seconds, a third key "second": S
{"hour": 5, "minute": 57}
